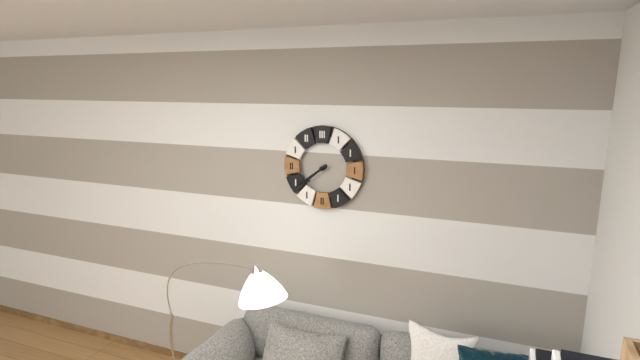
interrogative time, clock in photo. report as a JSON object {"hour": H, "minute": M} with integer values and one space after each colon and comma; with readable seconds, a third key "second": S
{"hour": 7, "minute": 39}
